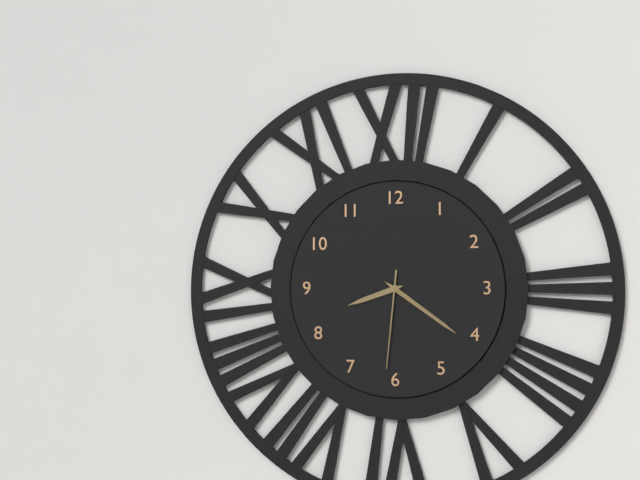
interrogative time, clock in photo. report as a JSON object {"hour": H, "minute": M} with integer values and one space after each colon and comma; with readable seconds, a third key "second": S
{"hour": 8, "minute": 21, "second": 31}
